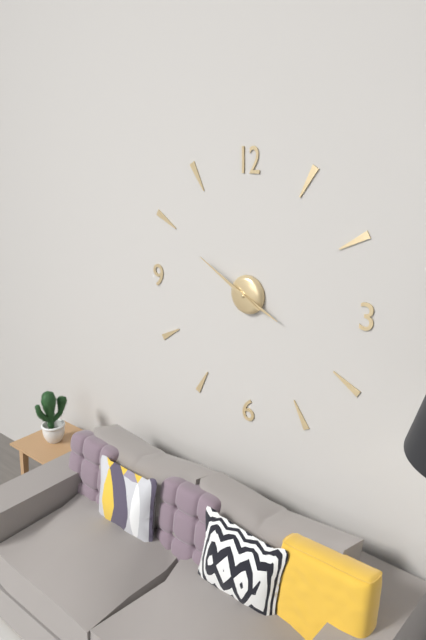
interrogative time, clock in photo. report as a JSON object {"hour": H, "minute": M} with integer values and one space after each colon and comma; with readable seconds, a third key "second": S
{"hour": 3, "minute": 50}
